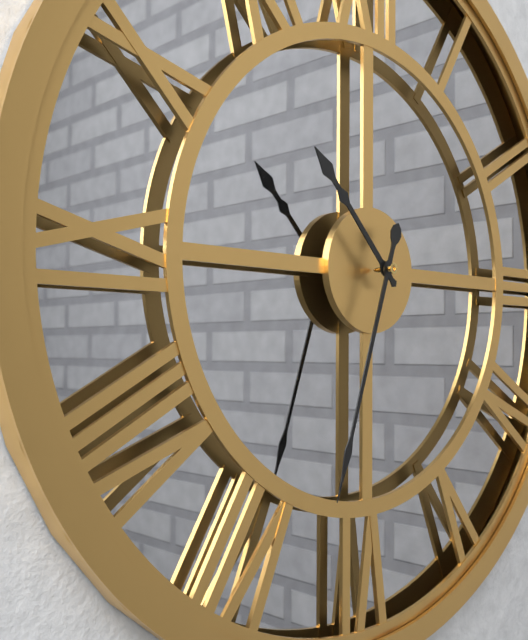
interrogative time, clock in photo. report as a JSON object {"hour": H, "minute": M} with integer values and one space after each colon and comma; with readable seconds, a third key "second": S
{"hour": 10, "minute": 33}
